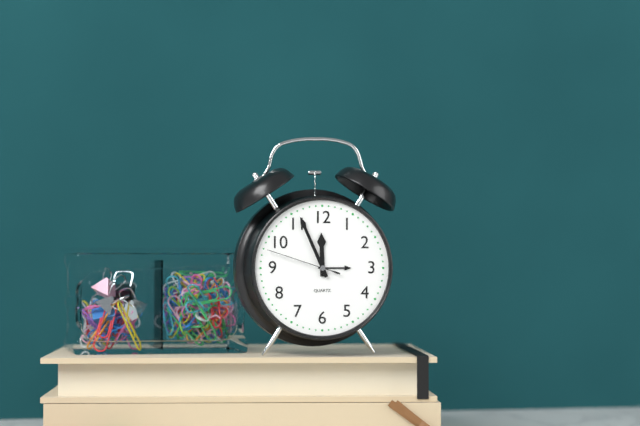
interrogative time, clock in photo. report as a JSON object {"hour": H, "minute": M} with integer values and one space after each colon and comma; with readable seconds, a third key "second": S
{"hour": 11, "minute": 56, "second": 48}
